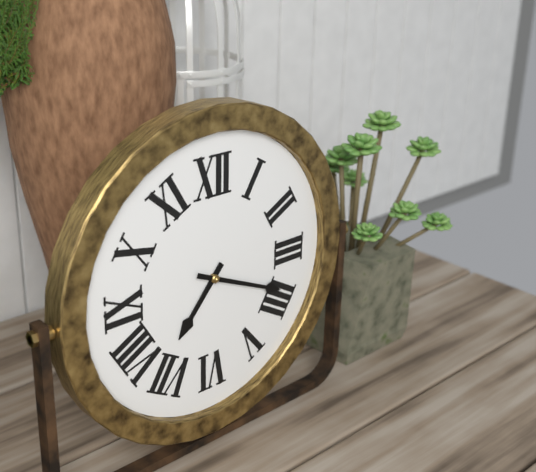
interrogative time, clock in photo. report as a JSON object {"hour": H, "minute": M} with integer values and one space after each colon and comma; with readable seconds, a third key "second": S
{"hour": 7, "minute": 19}
